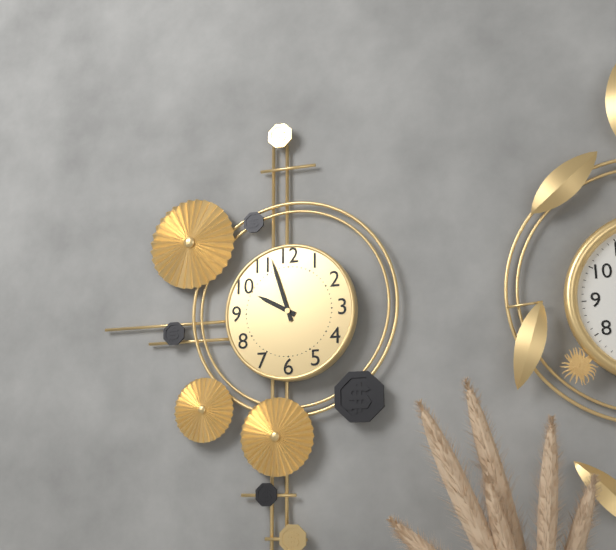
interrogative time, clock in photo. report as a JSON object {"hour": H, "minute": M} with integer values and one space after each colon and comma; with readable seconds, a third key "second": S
{"hour": 9, "minute": 57}
